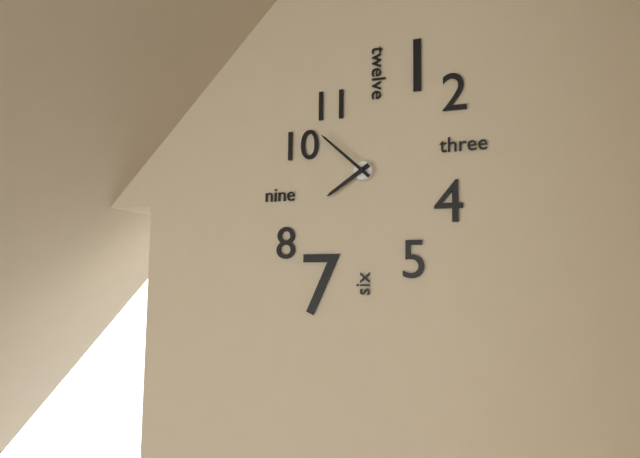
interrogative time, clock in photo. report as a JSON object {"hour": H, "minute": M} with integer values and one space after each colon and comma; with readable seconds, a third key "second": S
{"hour": 7, "minute": 52}
